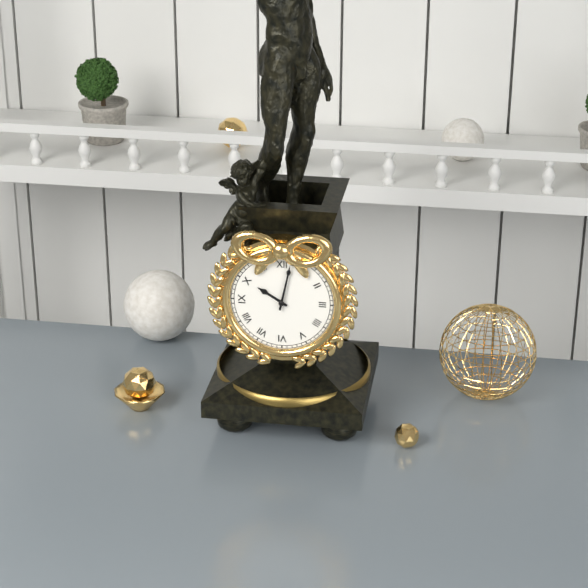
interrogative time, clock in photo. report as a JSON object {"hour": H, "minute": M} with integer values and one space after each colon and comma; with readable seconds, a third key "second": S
{"hour": 10, "minute": 2}
